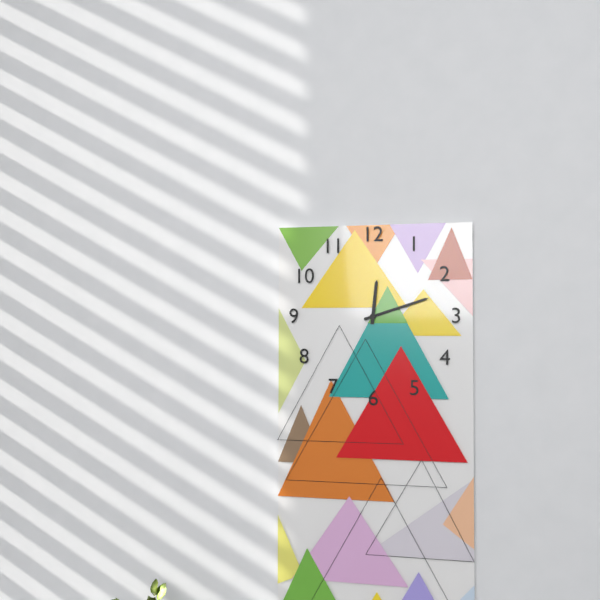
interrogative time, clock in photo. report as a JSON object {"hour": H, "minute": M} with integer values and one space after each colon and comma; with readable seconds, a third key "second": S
{"hour": 12, "minute": 12}
